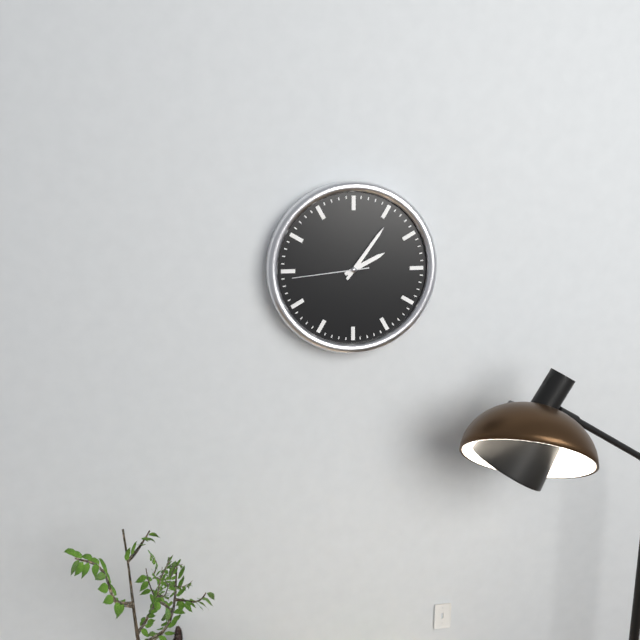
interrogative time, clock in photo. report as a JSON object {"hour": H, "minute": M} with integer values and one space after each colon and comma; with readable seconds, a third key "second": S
{"hour": 2, "minute": 6, "second": 44}
